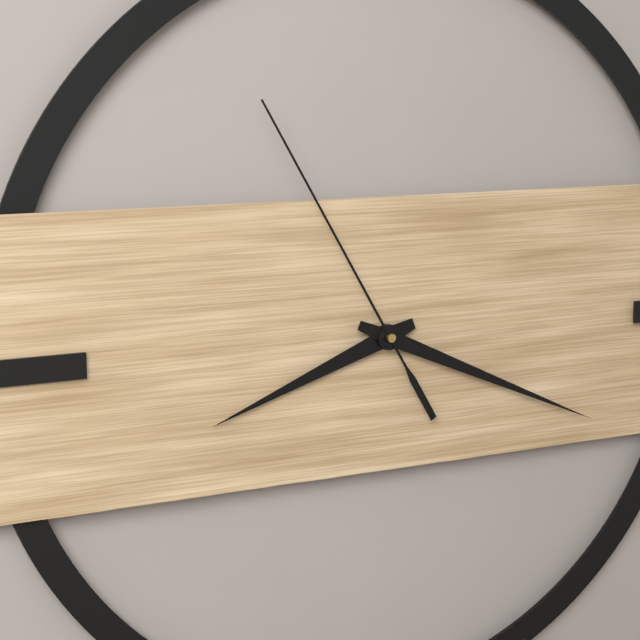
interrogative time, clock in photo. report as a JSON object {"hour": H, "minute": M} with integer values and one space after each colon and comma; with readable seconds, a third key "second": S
{"hour": 8, "minute": 19, "second": 55}
